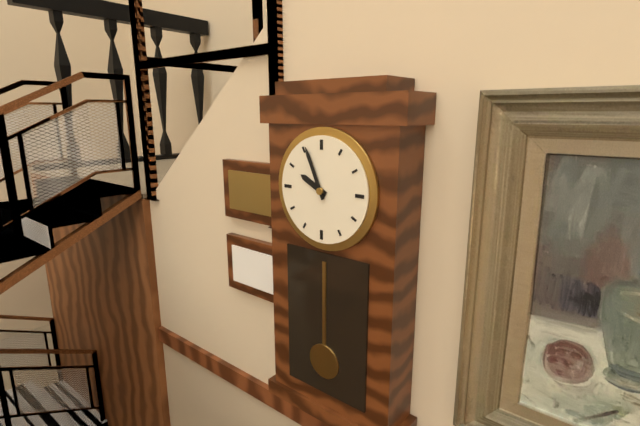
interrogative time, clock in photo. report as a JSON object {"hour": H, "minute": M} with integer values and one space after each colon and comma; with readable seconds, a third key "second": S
{"hour": 9, "minute": 56}
